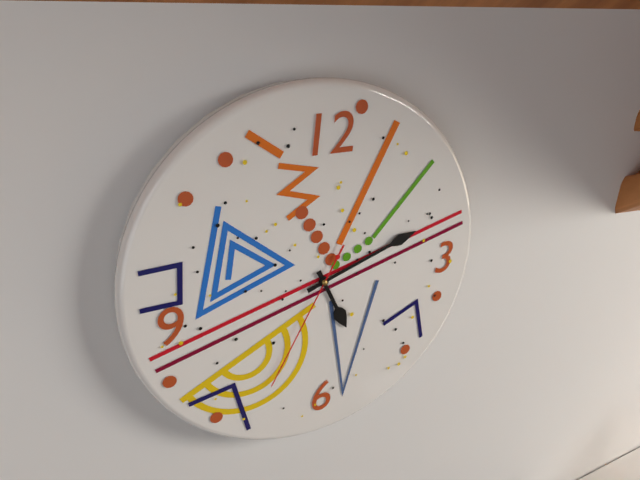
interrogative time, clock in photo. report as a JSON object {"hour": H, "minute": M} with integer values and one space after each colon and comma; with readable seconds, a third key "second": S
{"hour": 5, "minute": 12, "second": 35}
